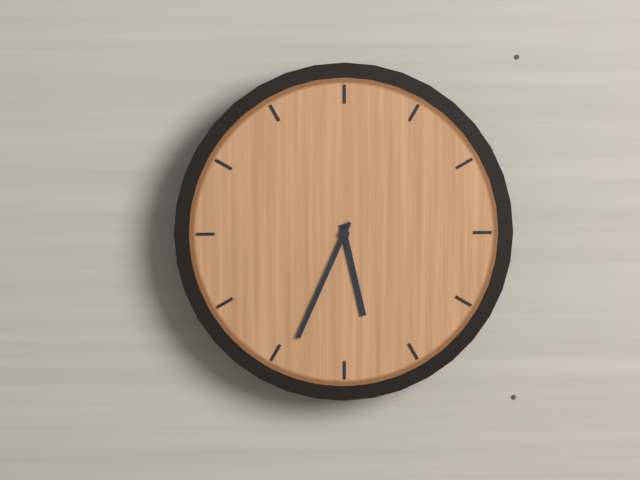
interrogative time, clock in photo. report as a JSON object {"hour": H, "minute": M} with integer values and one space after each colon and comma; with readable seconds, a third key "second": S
{"hour": 5, "minute": 34}
